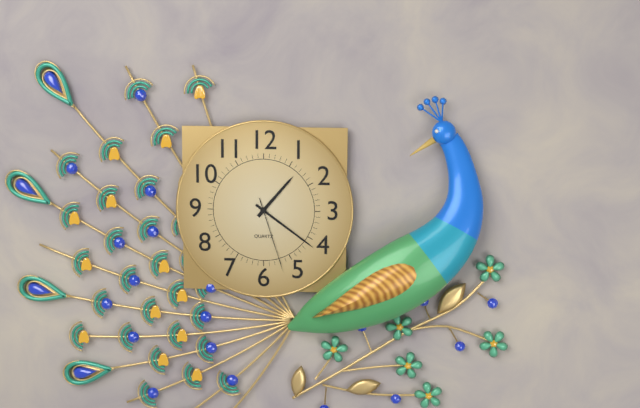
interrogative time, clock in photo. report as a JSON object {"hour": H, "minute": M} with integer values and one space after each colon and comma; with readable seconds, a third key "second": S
{"hour": 1, "minute": 21, "second": 27}
